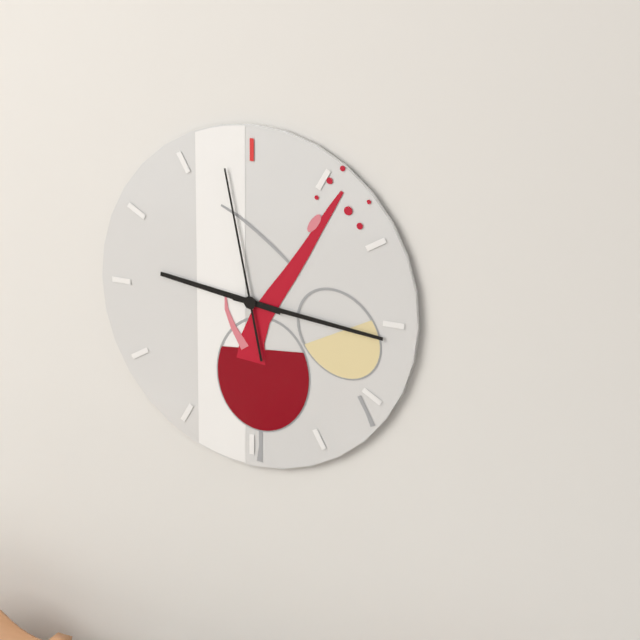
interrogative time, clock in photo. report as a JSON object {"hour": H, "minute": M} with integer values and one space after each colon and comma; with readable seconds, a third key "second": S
{"hour": 9, "minute": 16, "second": 58}
